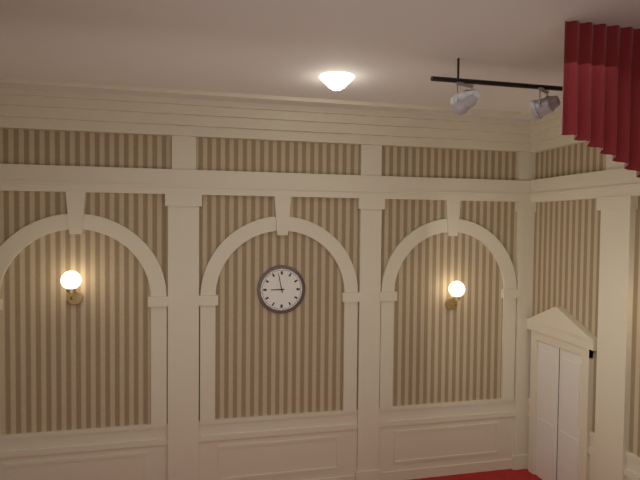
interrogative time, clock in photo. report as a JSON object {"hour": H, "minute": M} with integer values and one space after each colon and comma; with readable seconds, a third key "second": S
{"hour": 8, "minute": 58}
